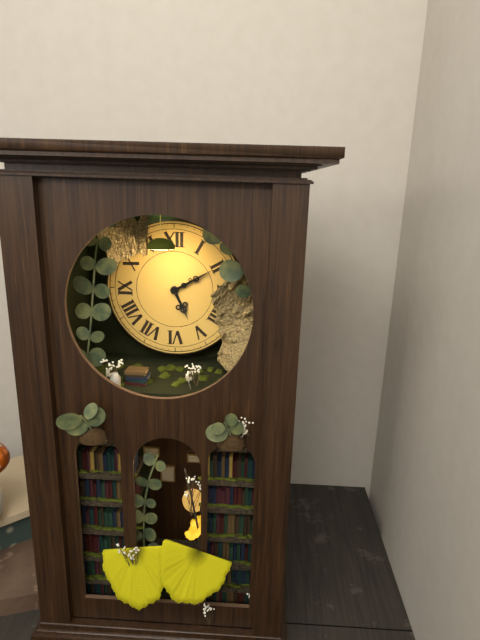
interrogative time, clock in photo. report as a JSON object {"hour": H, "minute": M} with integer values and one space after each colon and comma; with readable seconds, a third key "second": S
{"hour": 5, "minute": 10}
